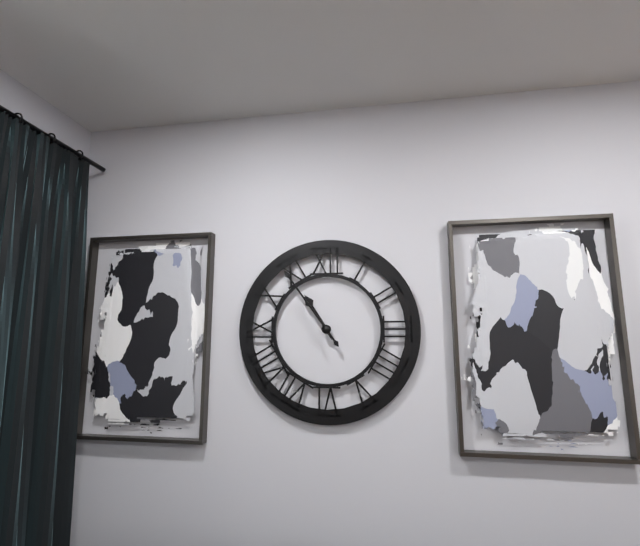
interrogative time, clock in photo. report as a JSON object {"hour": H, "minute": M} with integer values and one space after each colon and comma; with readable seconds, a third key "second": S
{"hour": 10, "minute": 54}
